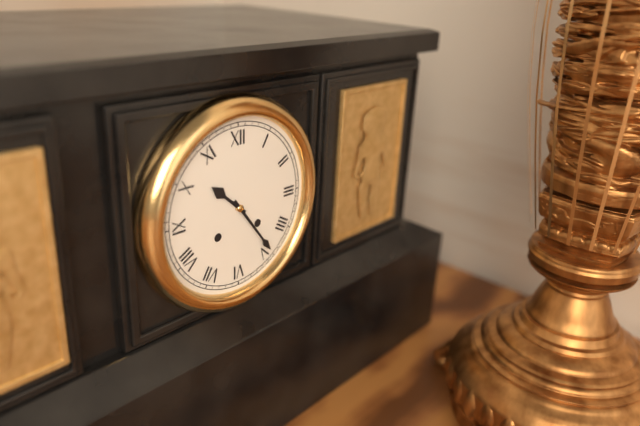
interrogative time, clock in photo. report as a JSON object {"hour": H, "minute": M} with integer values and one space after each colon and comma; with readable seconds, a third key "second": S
{"hour": 10, "minute": 24}
